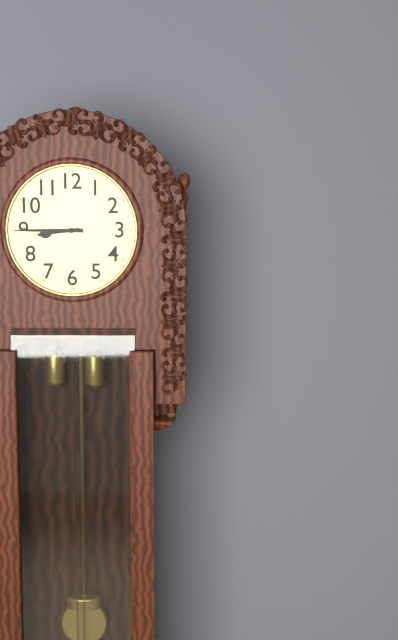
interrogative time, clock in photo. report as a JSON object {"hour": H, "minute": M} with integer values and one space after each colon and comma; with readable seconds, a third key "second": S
{"hour": 8, "minute": 45}
